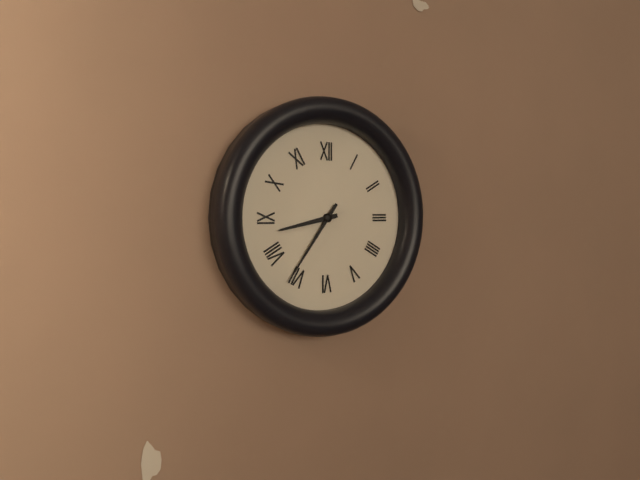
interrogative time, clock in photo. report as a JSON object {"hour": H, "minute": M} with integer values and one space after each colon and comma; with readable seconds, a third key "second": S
{"hour": 8, "minute": 36}
